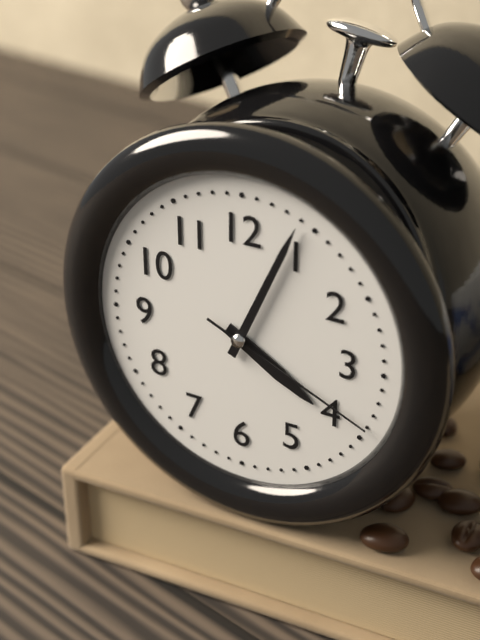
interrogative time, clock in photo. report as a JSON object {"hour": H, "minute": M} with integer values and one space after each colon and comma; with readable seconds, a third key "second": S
{"hour": 4, "minute": 4, "second": 19}
